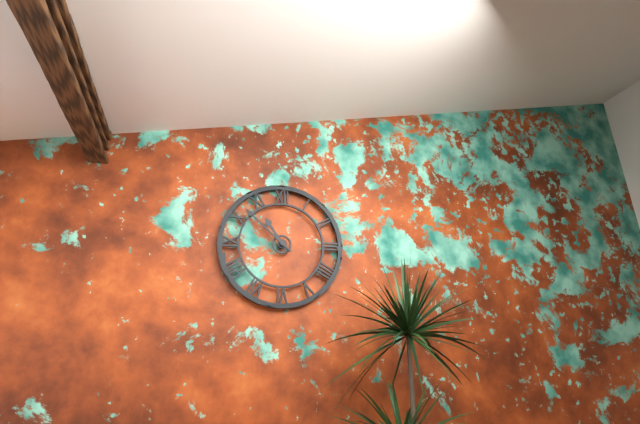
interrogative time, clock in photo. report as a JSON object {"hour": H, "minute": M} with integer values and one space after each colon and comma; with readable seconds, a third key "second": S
{"hour": 10, "minute": 52}
